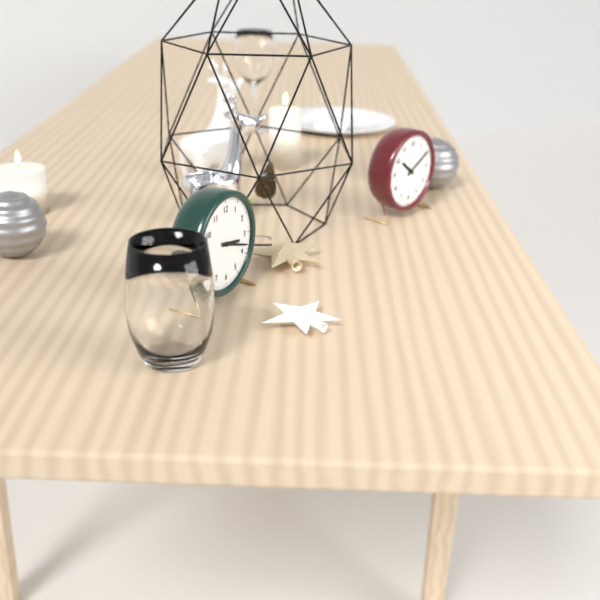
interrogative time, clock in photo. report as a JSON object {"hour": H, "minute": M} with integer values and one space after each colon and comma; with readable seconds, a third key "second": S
{"hour": 3, "minute": 18}
